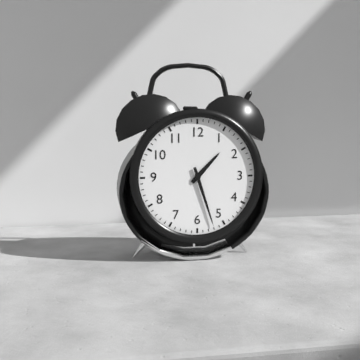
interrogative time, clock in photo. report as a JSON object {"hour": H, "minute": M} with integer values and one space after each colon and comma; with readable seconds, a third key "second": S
{"hour": 1, "minute": 27}
